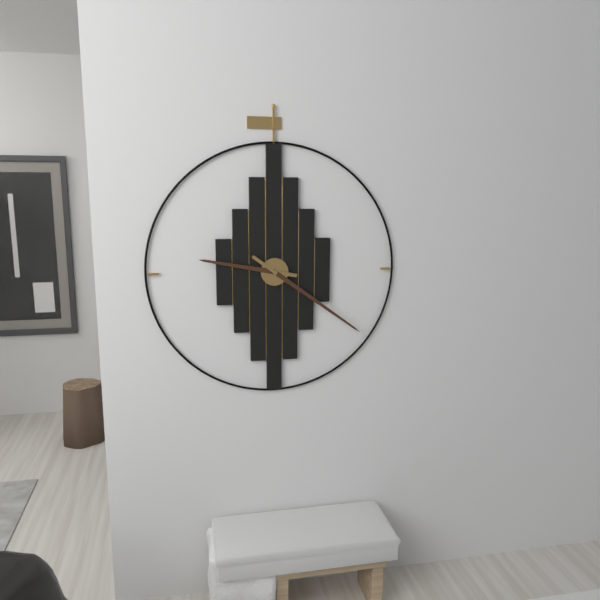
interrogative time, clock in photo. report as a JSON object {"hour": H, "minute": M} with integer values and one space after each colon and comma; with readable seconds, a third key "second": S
{"hour": 9, "minute": 21}
